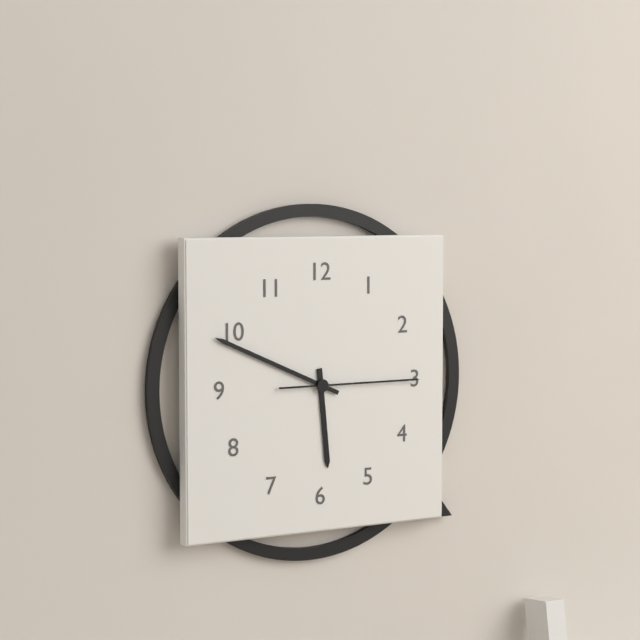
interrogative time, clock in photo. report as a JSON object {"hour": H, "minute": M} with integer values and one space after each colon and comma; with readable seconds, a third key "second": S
{"hour": 5, "minute": 49, "second": 15}
